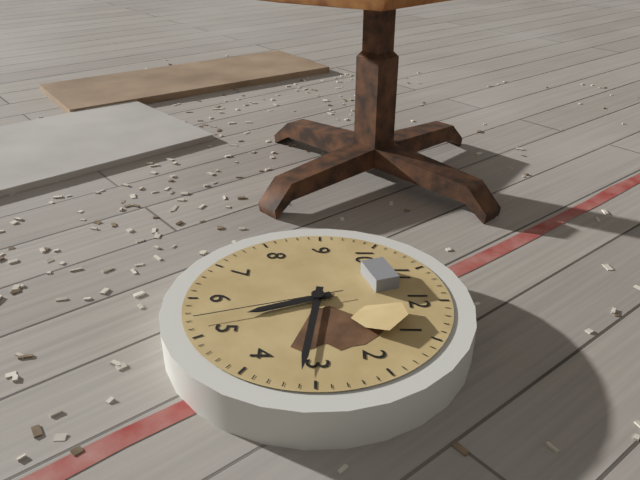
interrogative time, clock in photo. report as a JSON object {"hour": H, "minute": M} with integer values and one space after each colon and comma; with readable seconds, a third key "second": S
{"hour": 5, "minute": 16, "second": 27}
